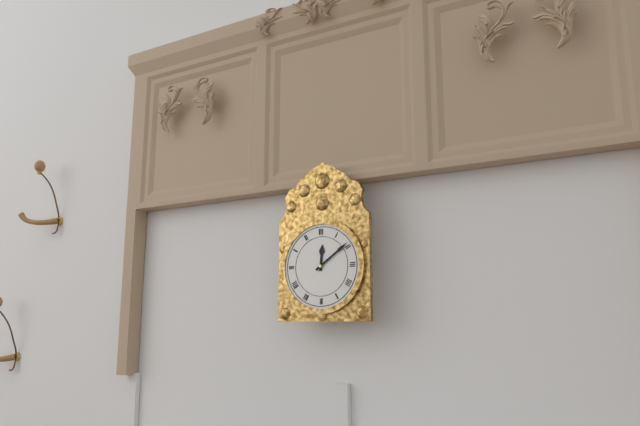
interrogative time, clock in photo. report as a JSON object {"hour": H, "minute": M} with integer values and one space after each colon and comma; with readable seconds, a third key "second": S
{"hour": 12, "minute": 9}
